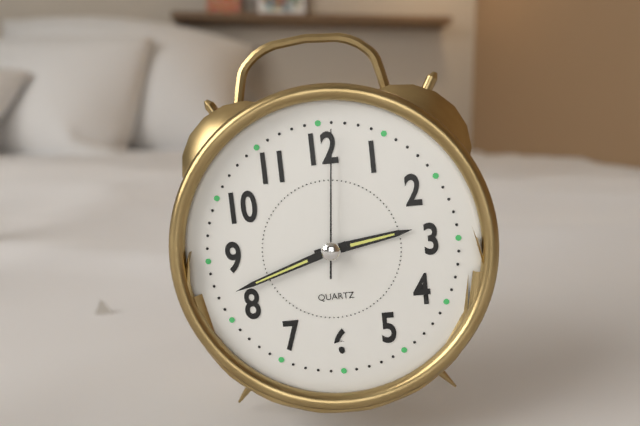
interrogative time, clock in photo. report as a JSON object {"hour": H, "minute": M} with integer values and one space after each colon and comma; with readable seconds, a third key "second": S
{"hour": 2, "minute": 42, "second": 1}
